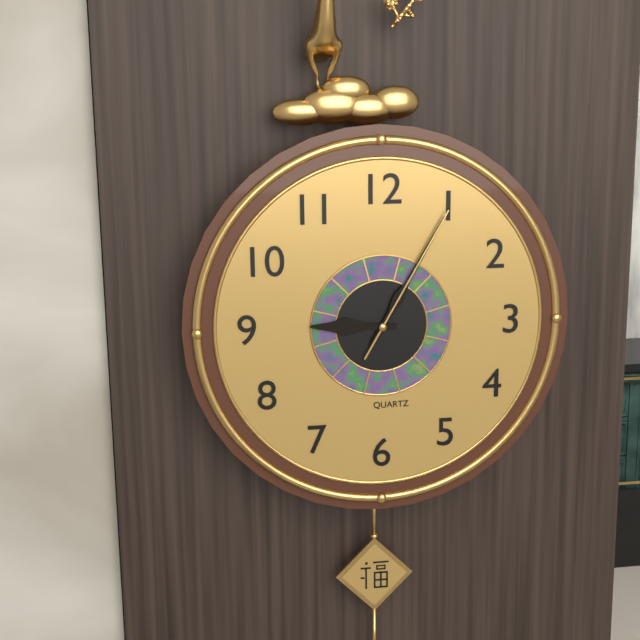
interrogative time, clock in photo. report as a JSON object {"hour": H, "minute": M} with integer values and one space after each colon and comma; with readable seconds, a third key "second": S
{"hour": 9, "minute": 5, "second": 5}
